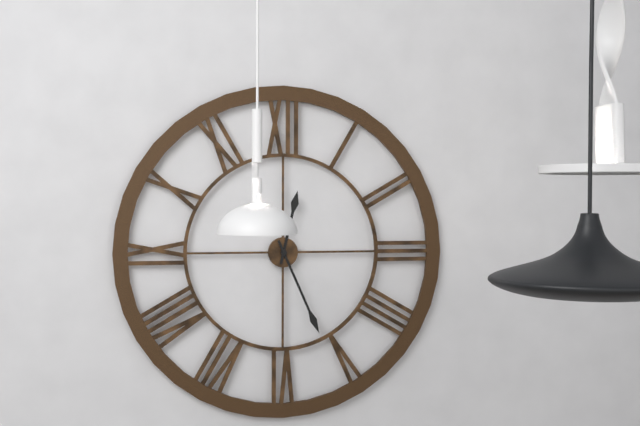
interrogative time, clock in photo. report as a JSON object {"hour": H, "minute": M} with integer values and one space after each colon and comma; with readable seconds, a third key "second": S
{"hour": 12, "minute": 26}
